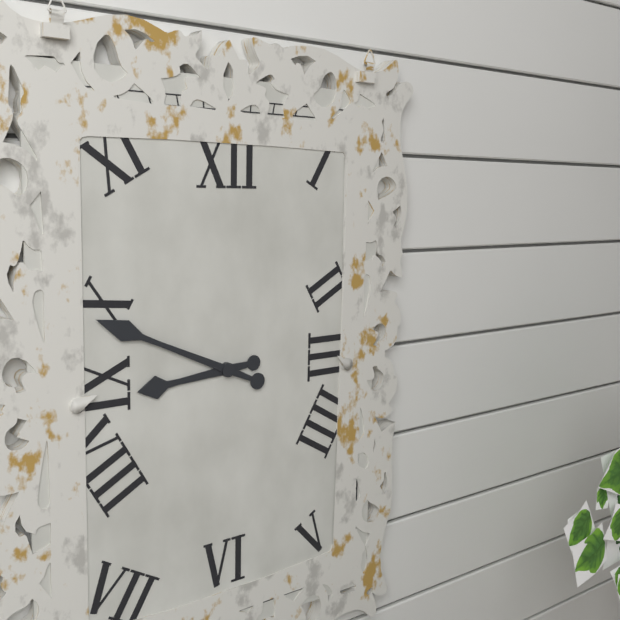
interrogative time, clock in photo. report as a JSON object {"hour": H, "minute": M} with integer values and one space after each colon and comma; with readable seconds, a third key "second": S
{"hour": 8, "minute": 49}
